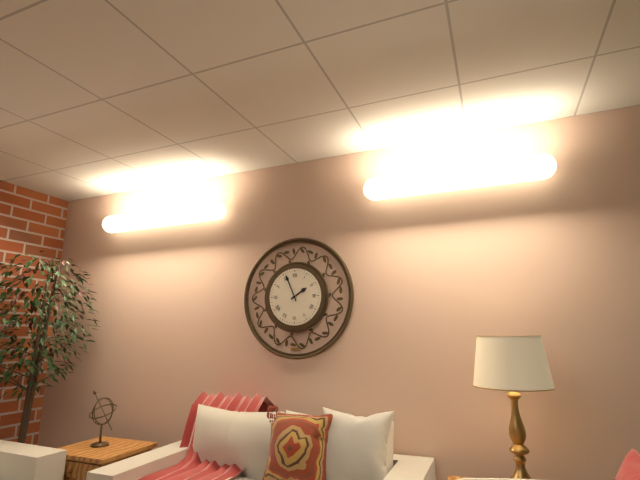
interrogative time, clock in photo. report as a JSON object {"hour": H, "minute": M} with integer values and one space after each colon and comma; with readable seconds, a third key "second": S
{"hour": 1, "minute": 56}
